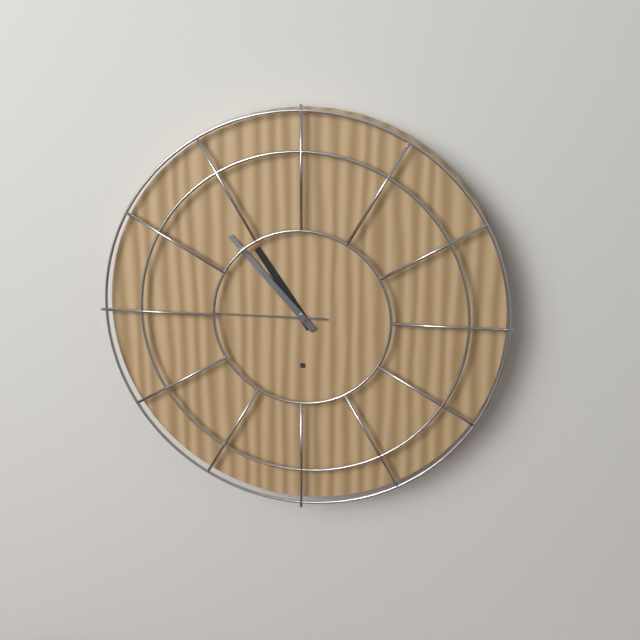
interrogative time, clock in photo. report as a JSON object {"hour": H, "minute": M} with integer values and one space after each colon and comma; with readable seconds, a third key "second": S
{"hour": 10, "minute": 53, "second": 45}
